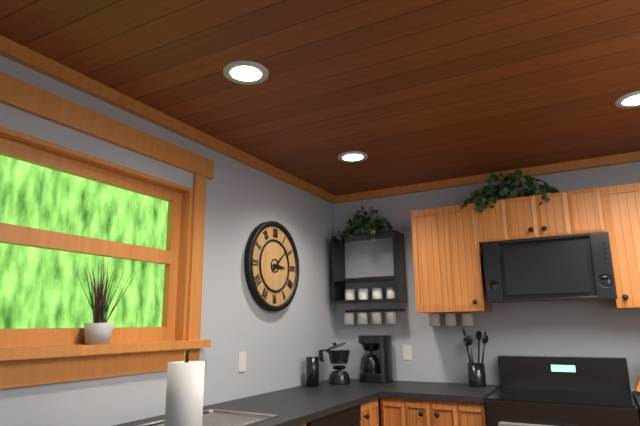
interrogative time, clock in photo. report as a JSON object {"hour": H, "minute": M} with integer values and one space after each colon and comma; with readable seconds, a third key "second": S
{"hour": 3, "minute": 8}
